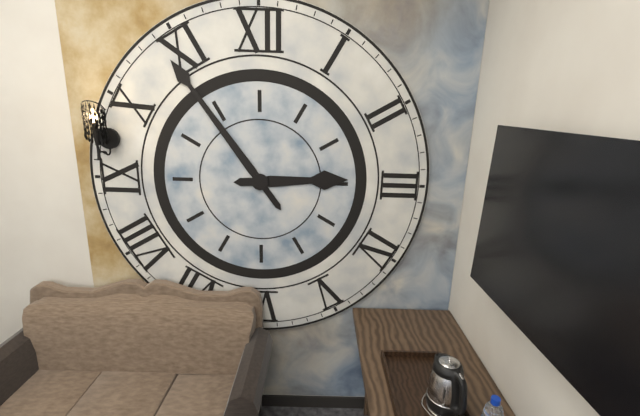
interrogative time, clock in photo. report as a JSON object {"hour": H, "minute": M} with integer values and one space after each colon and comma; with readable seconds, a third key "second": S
{"hour": 2, "minute": 54}
